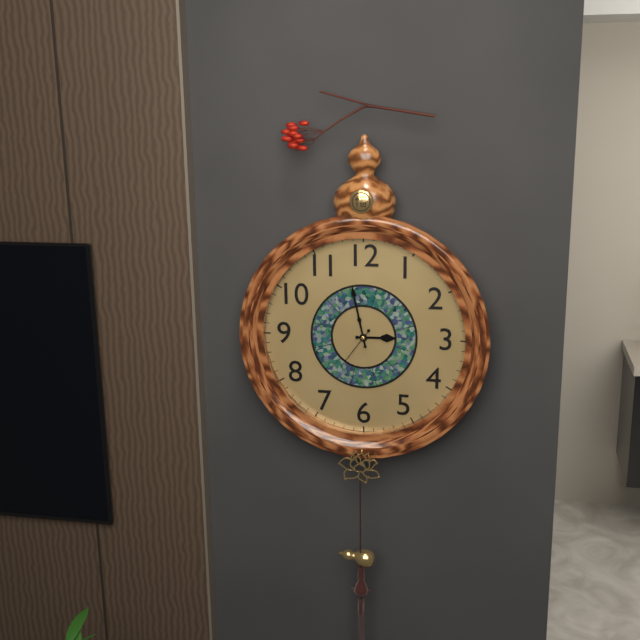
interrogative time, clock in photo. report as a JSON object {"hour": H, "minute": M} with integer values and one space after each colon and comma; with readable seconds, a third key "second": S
{"hour": 2, "minute": 58, "second": 36}
